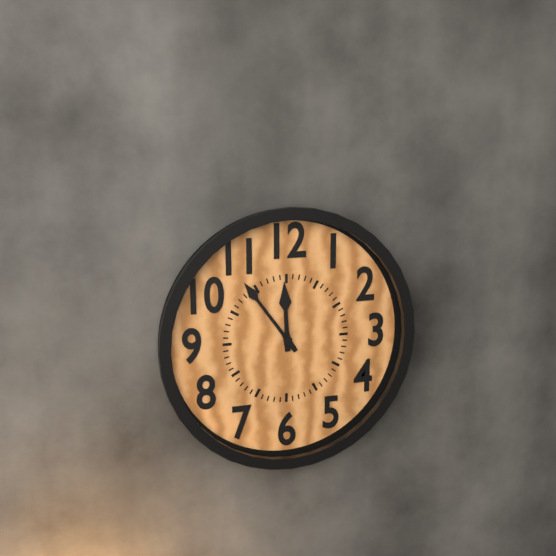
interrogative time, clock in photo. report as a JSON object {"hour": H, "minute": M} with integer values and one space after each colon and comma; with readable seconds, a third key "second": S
{"hour": 11, "minute": 54}
